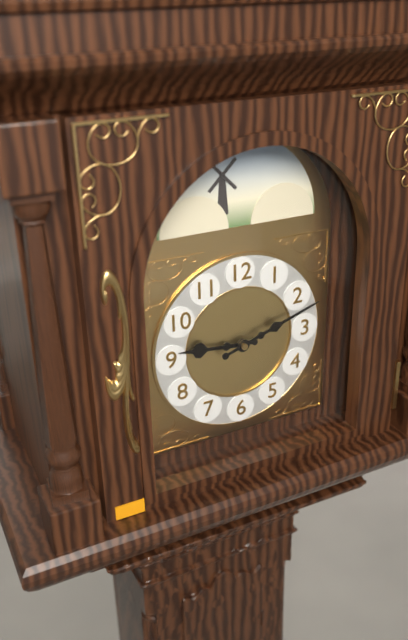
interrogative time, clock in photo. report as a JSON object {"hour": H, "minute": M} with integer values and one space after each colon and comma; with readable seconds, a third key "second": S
{"hour": 9, "minute": 12}
